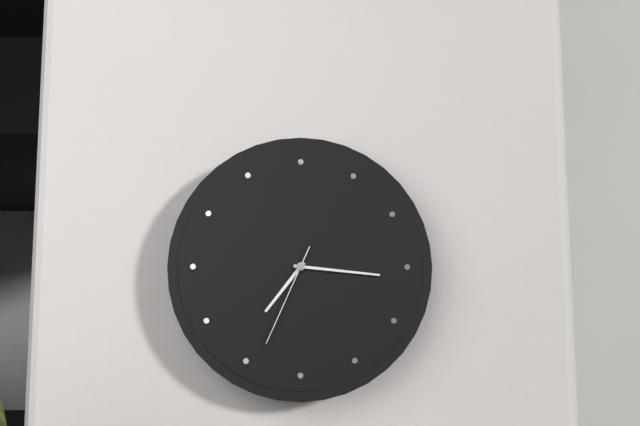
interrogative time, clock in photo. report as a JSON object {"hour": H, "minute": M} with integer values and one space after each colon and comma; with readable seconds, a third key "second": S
{"hour": 7, "minute": 16, "second": 34}
